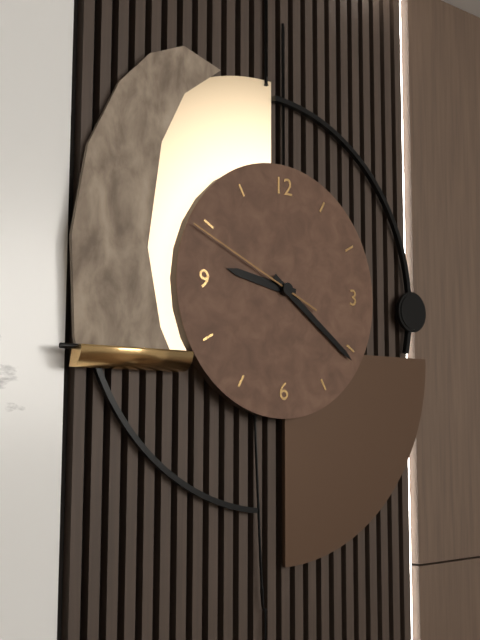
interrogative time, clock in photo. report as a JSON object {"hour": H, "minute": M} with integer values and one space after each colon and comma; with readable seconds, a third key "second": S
{"hour": 9, "minute": 21, "second": 49}
